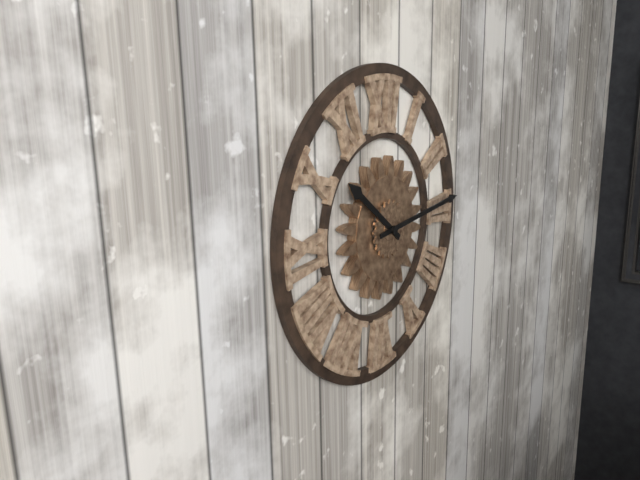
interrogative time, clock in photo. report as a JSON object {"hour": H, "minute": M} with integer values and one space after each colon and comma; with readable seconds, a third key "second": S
{"hour": 10, "minute": 14}
